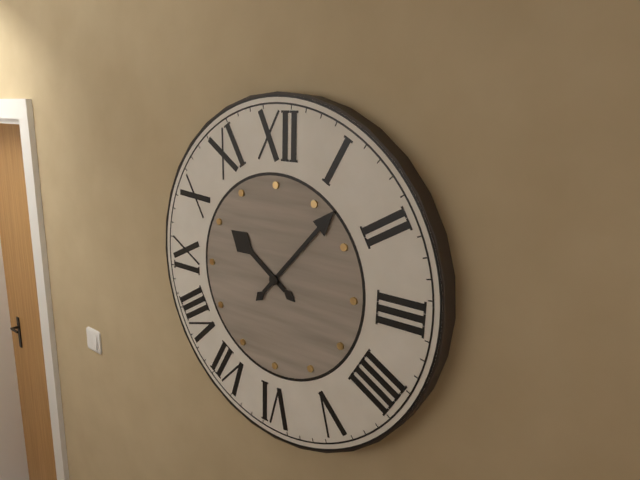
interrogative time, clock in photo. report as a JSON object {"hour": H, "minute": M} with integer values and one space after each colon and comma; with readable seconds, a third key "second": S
{"hour": 10, "minute": 7}
